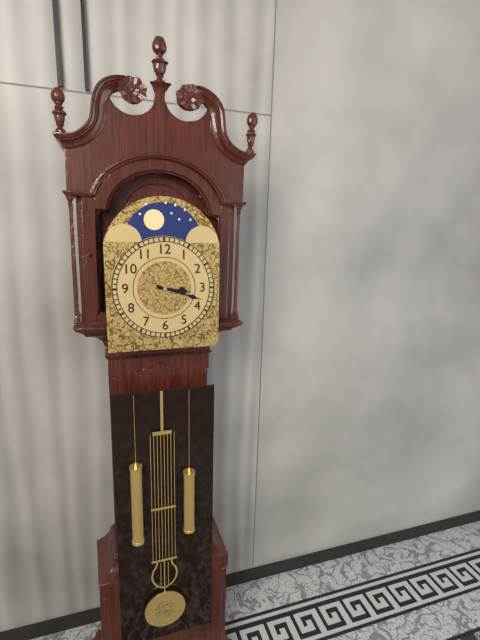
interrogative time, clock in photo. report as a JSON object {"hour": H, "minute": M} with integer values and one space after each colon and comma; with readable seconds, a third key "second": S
{"hour": 3, "minute": 18}
